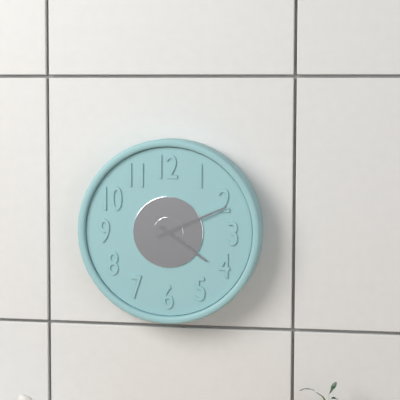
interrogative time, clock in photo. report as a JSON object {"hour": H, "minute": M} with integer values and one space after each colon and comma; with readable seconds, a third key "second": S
{"hour": 4, "minute": 11}
